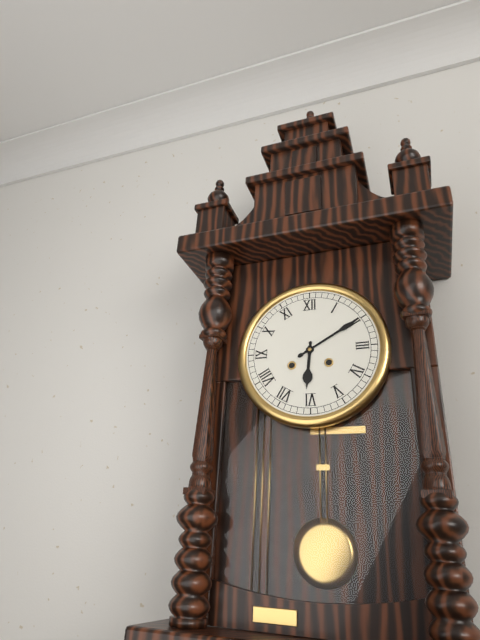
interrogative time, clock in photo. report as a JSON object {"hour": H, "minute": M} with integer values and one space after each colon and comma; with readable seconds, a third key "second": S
{"hour": 6, "minute": 10}
